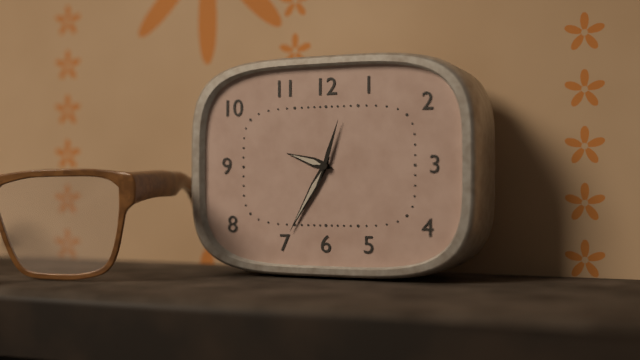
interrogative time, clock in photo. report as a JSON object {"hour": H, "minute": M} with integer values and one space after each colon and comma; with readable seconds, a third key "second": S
{"hour": 9, "minute": 35, "second": 3}
